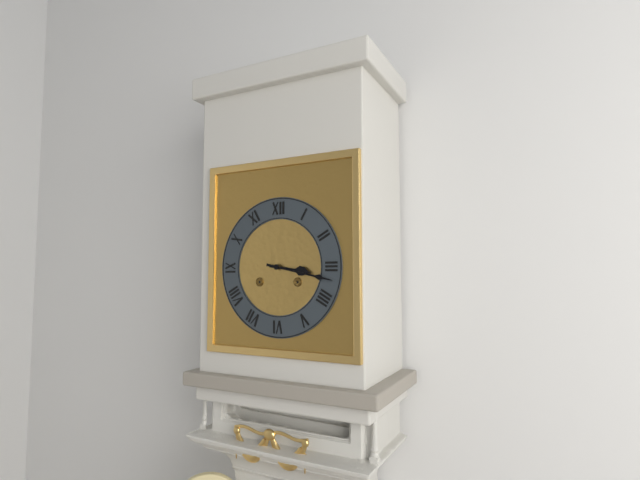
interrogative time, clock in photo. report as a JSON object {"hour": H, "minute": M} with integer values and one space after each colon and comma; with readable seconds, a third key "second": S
{"hour": 3, "minute": 17}
